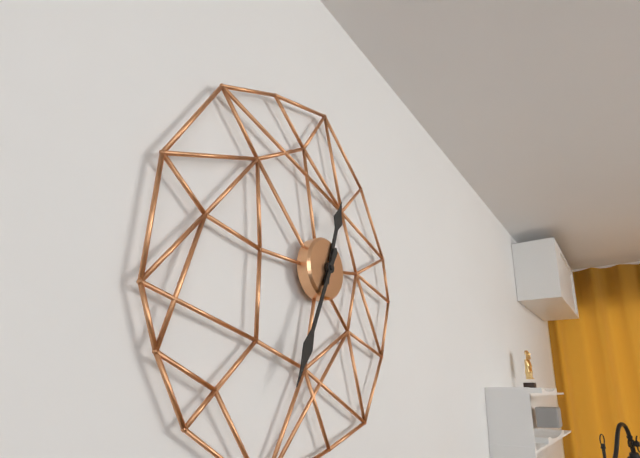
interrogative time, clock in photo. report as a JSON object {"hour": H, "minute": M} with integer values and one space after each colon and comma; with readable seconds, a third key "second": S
{"hour": 12, "minute": 34}
